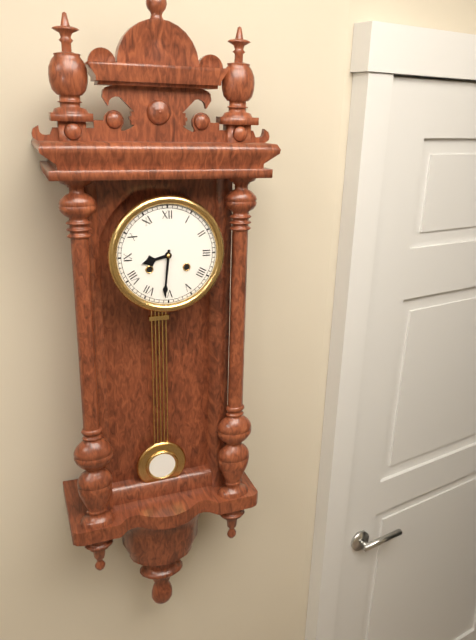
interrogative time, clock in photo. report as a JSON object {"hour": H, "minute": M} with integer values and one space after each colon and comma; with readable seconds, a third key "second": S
{"hour": 8, "minute": 31}
